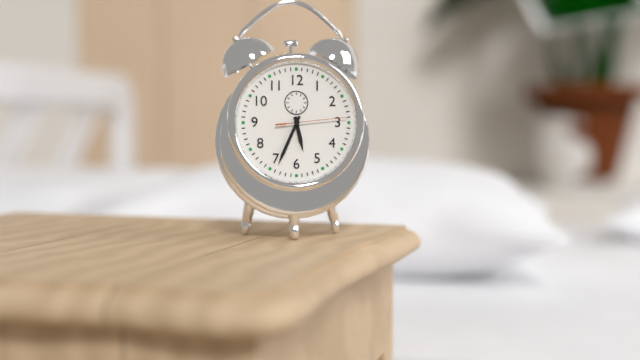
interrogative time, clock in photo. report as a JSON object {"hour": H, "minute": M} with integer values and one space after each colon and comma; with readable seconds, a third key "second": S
{"hour": 5, "minute": 34, "second": 14}
